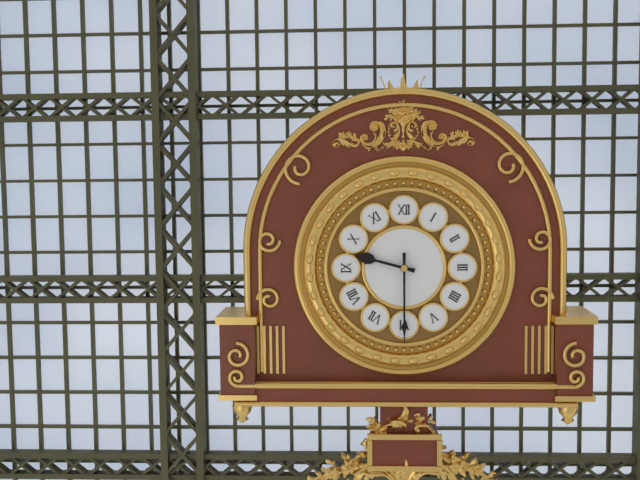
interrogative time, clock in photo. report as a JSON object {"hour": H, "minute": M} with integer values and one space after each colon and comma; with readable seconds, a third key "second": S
{"hour": 9, "minute": 30}
